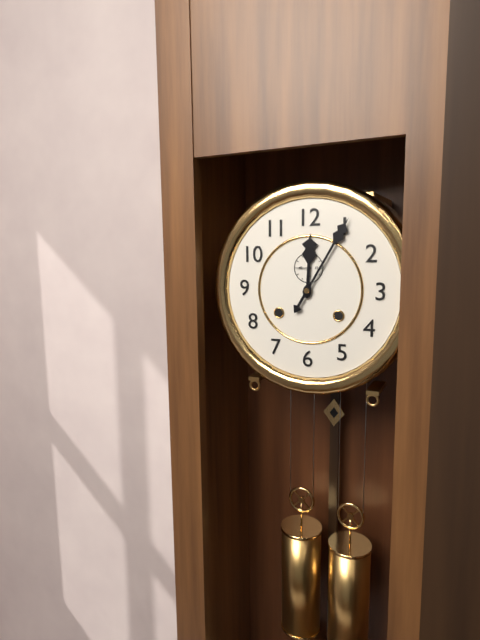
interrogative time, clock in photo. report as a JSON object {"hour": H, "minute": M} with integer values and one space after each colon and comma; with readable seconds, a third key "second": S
{"hour": 12, "minute": 5}
